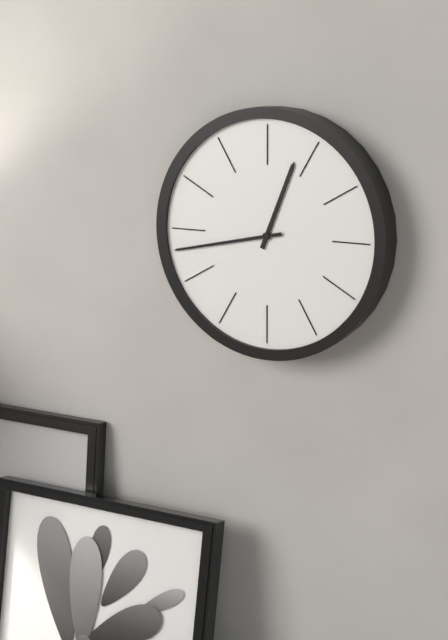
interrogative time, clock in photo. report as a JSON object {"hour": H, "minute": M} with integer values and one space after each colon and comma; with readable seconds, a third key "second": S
{"hour": 12, "minute": 43}
